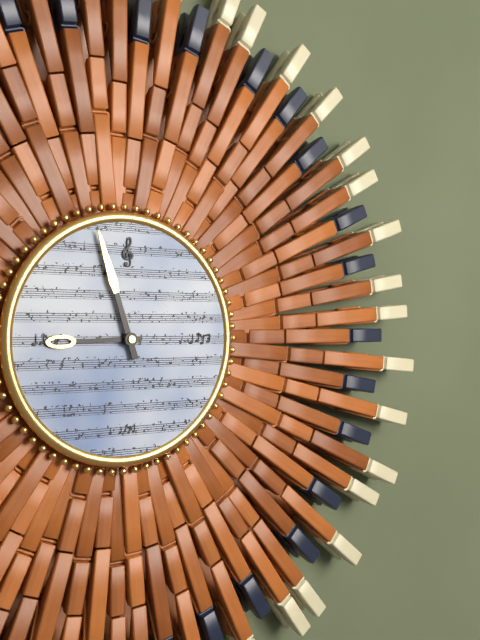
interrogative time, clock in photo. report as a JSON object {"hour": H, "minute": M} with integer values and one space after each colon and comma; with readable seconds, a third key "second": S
{"hour": 8, "minute": 57}
